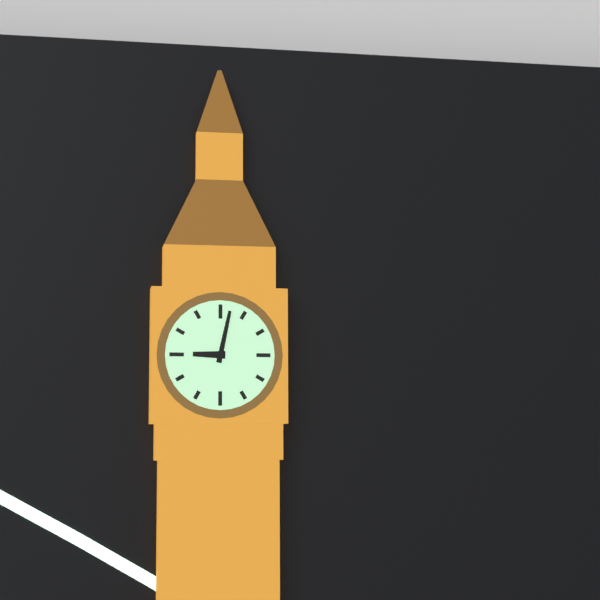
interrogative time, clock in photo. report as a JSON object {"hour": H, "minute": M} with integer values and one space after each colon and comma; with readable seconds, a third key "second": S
{"hour": 9, "minute": 2}
